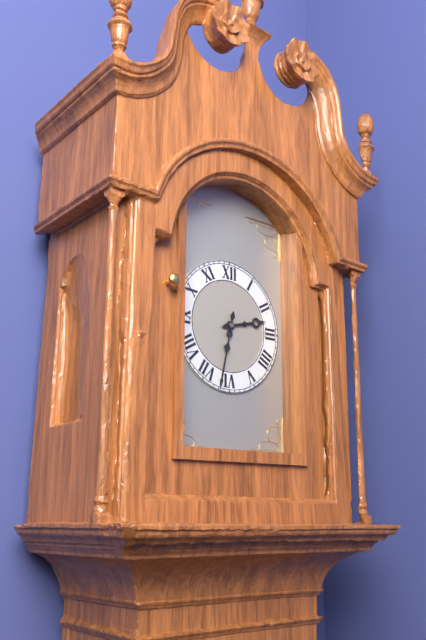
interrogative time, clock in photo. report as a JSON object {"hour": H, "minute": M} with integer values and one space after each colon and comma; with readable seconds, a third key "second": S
{"hour": 2, "minute": 32}
